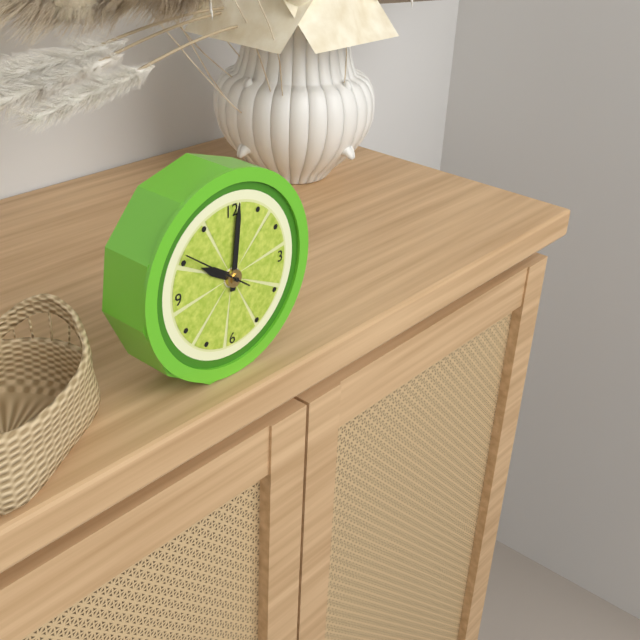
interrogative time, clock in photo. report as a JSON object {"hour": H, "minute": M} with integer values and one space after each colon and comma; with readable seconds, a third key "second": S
{"hour": 10, "minute": 1, "second": 51}
